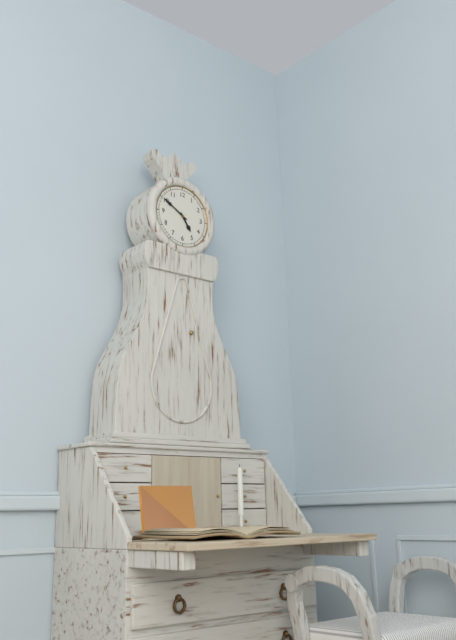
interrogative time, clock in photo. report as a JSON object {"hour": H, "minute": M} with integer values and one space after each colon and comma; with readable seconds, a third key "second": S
{"hour": 4, "minute": 50}
